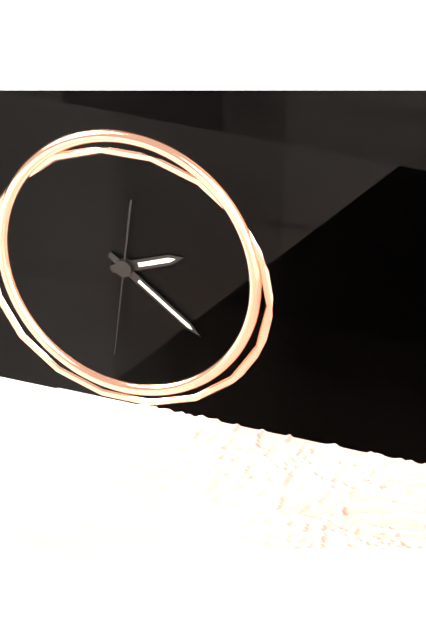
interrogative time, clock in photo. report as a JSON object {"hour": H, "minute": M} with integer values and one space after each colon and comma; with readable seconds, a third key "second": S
{"hour": 2, "minute": 21, "second": 31}
